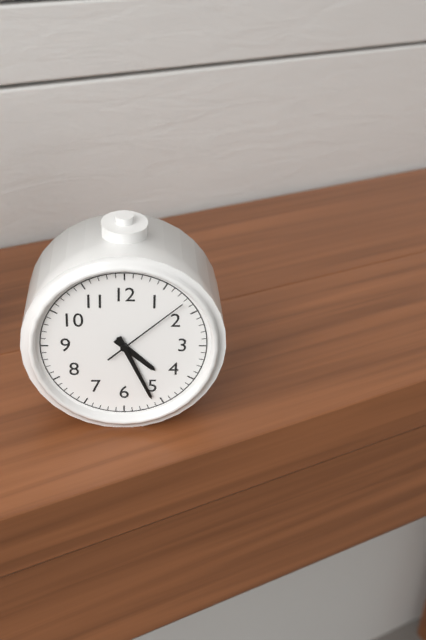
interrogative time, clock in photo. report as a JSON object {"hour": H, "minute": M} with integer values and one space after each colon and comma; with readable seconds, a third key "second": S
{"hour": 4, "minute": 26, "second": 8}
